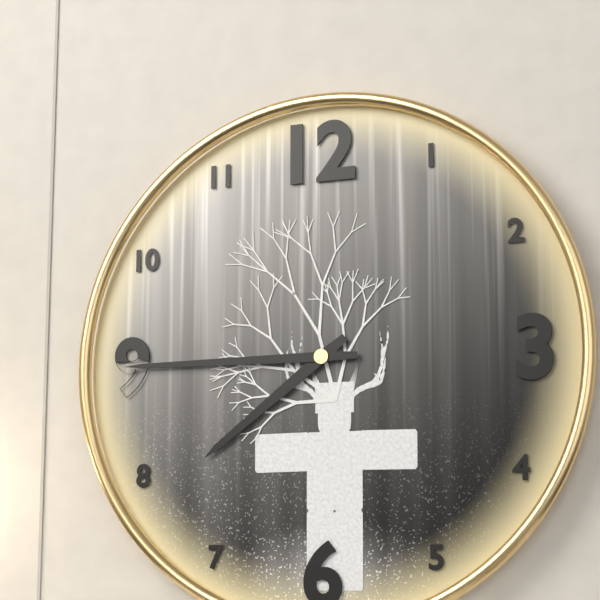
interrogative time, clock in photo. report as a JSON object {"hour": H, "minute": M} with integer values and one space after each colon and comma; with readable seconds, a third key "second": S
{"hour": 7, "minute": 45}
